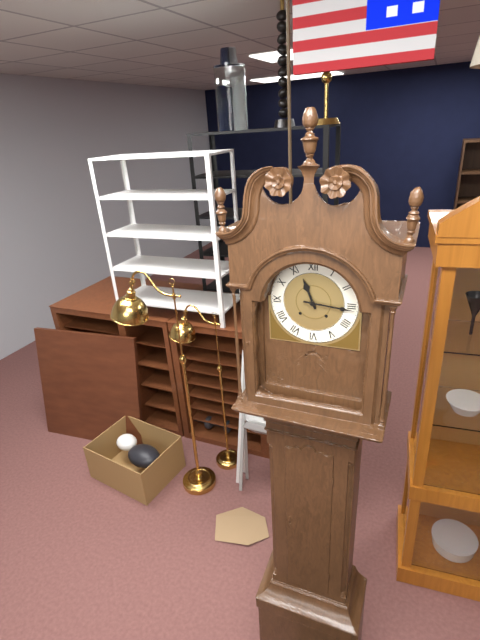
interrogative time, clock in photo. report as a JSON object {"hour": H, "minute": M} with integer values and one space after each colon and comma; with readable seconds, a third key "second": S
{"hour": 11, "minute": 16}
